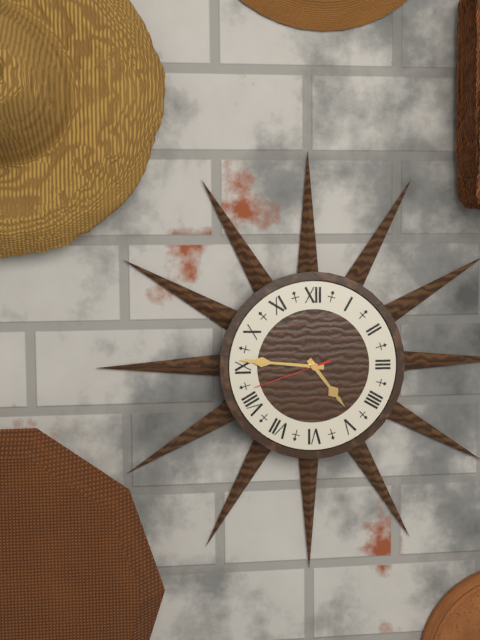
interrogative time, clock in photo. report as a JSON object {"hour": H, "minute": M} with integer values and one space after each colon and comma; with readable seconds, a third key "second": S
{"hour": 4, "minute": 46, "second": 42}
